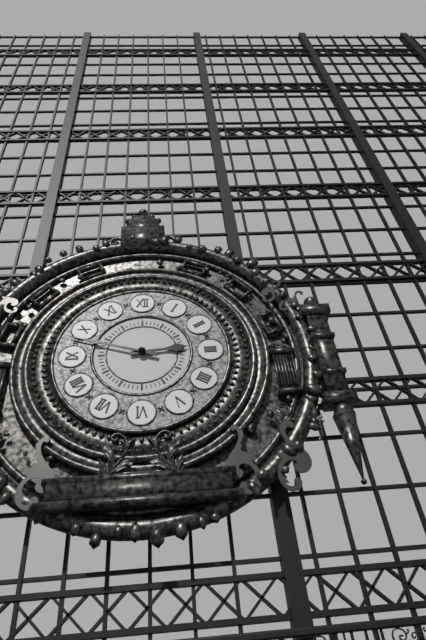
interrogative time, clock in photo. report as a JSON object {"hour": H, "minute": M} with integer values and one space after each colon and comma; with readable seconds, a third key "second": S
{"hour": 2, "minute": 48}
